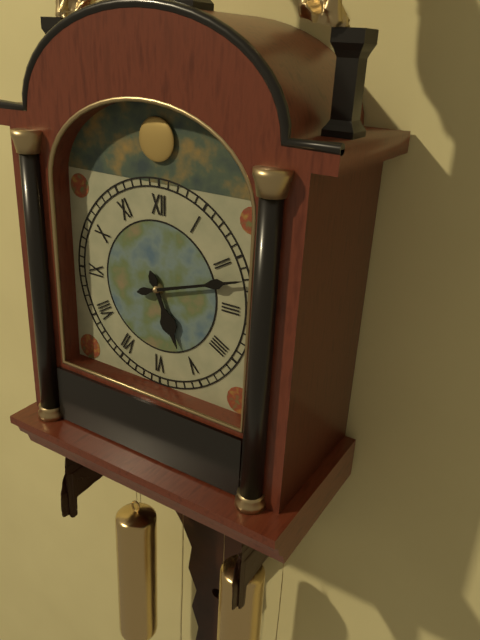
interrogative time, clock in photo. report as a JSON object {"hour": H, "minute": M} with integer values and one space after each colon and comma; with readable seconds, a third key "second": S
{"hour": 5, "minute": 12}
